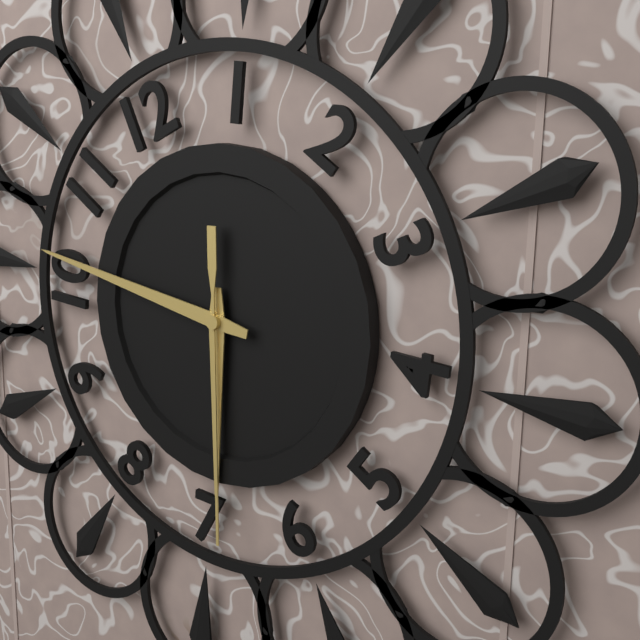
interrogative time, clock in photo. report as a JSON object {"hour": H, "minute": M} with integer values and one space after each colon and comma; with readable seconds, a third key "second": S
{"hour": 6, "minute": 51, "second": 34}
